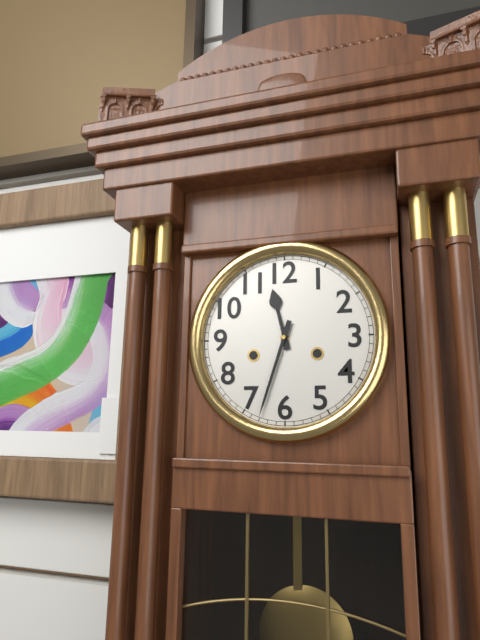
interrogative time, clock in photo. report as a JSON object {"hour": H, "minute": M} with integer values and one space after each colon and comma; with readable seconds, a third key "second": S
{"hour": 11, "minute": 33}
